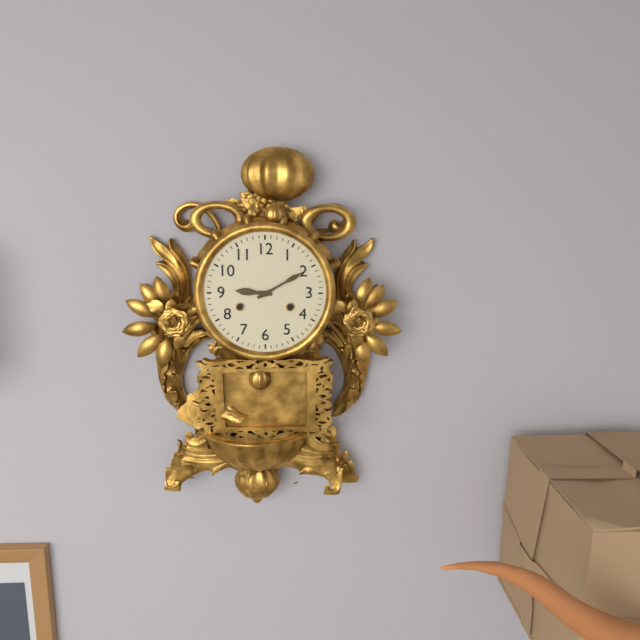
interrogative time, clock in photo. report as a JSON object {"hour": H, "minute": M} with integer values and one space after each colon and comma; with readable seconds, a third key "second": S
{"hour": 9, "minute": 10}
